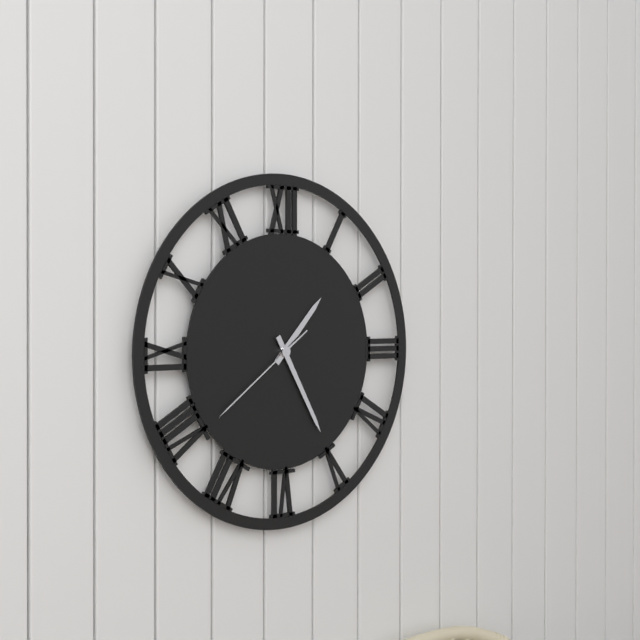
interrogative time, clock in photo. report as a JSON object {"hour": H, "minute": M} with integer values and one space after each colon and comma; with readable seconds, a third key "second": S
{"hour": 1, "minute": 25, "second": 39}
